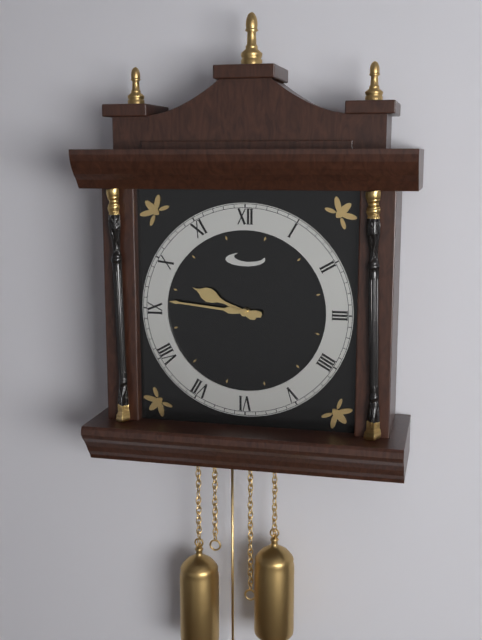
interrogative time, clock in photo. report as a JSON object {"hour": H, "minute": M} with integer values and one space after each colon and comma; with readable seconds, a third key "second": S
{"hour": 9, "minute": 46}
